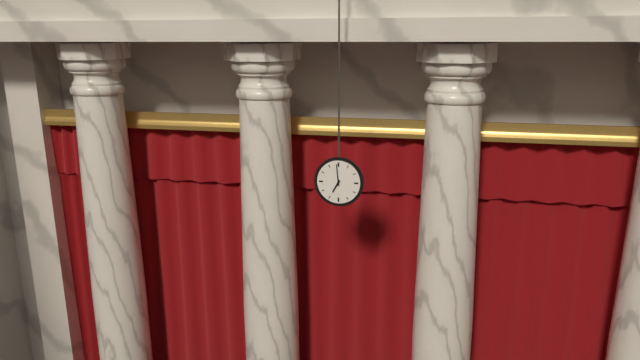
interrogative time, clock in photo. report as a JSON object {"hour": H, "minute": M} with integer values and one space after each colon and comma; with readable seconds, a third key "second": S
{"hour": 6, "minute": 59}
